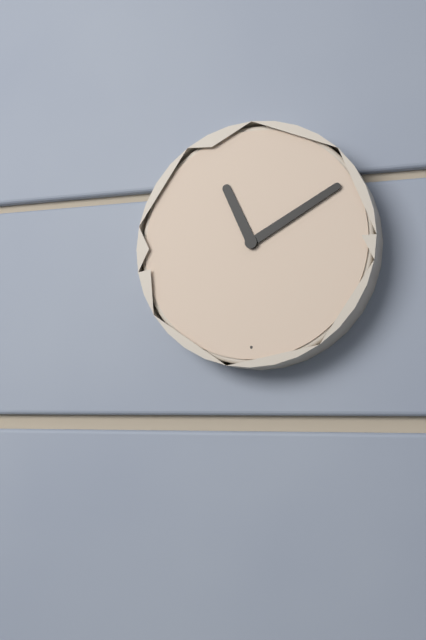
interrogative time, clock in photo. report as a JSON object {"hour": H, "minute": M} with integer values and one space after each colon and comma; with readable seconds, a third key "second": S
{"hour": 11, "minute": 10}
